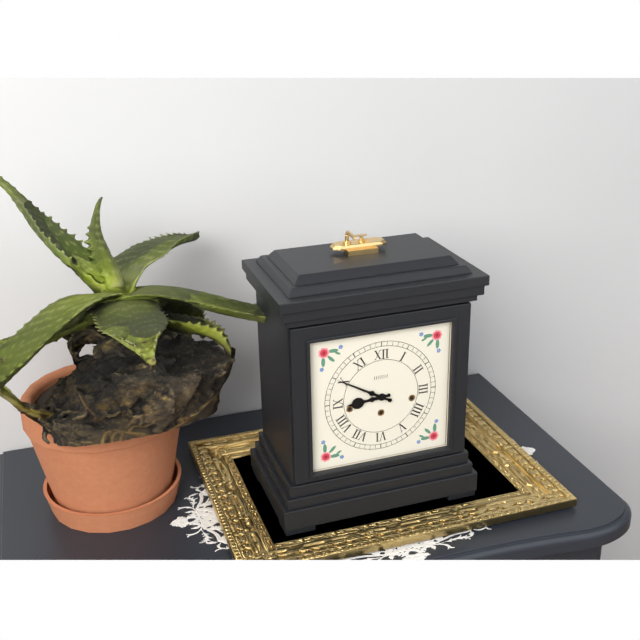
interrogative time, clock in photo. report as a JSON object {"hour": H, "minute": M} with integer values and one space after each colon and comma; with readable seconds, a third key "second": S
{"hour": 8, "minute": 50}
